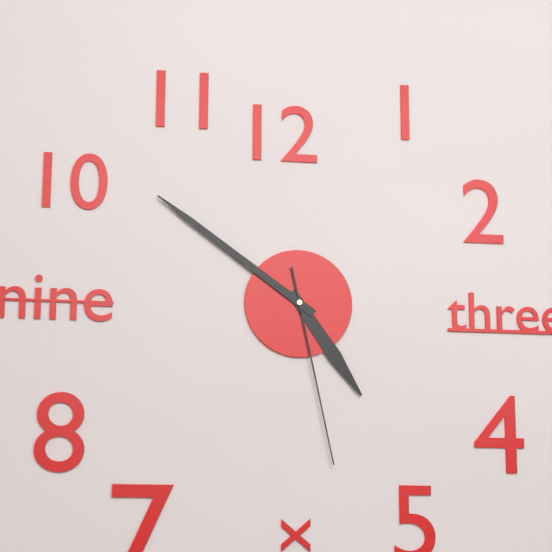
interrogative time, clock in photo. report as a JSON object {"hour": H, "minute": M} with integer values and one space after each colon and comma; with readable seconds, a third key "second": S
{"hour": 4, "minute": 51, "second": 28}
